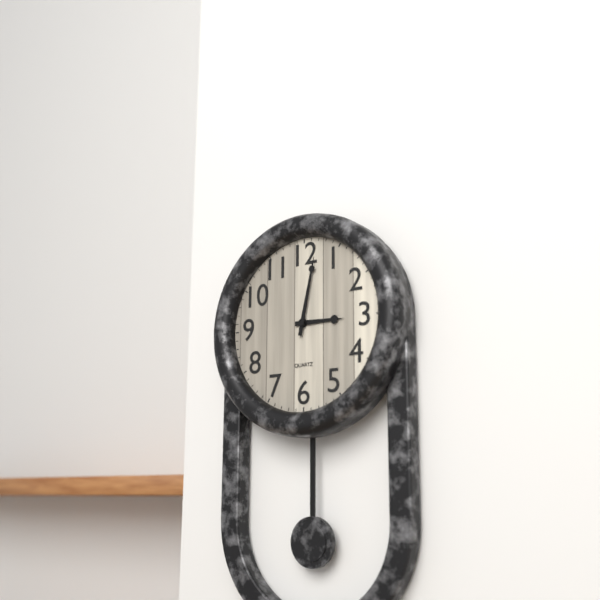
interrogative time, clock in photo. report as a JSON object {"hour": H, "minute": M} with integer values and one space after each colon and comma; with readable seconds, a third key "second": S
{"hour": 3, "minute": 2}
